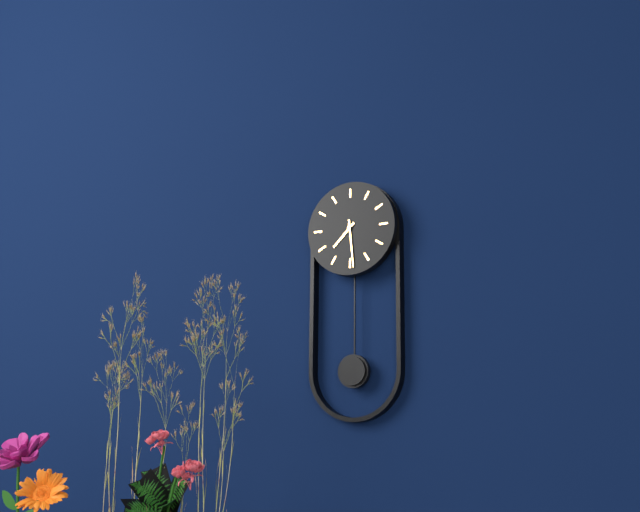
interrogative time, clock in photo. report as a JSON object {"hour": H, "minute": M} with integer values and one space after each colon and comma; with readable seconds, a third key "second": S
{"hour": 7, "minute": 29}
